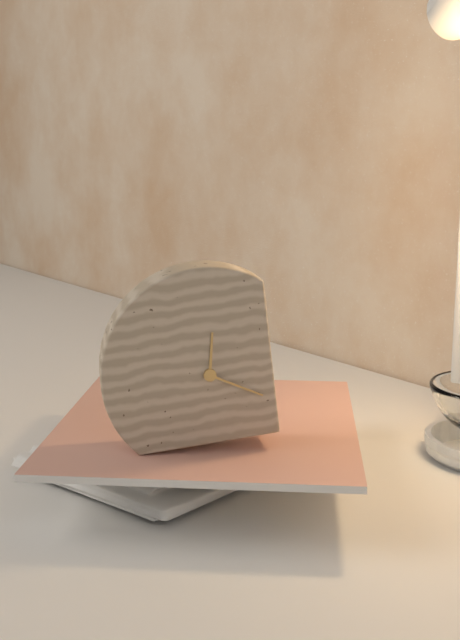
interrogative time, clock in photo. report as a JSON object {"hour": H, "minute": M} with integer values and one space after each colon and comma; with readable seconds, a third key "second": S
{"hour": 12, "minute": 20}
